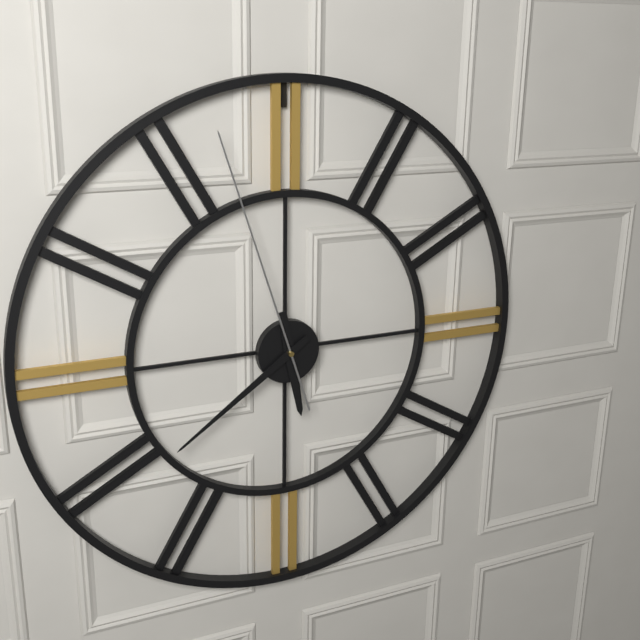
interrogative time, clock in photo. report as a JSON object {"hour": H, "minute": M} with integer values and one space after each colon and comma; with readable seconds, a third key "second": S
{"hour": 5, "minute": 39, "second": 57}
